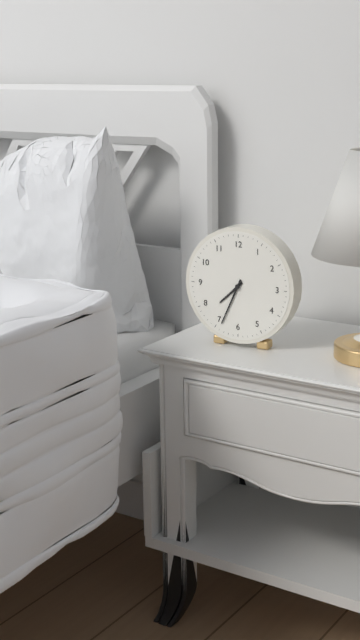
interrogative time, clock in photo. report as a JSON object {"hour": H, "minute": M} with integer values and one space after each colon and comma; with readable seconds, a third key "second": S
{"hour": 7, "minute": 34}
